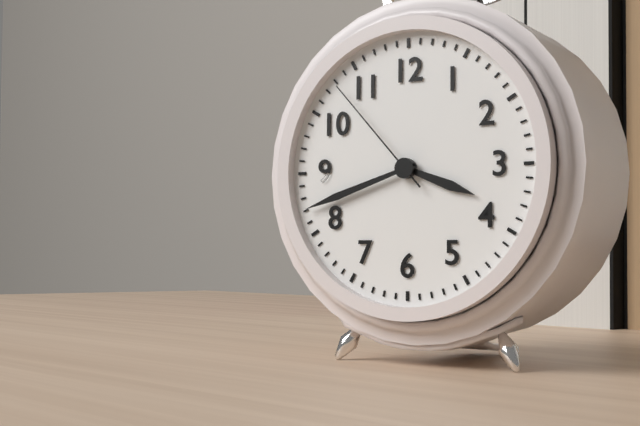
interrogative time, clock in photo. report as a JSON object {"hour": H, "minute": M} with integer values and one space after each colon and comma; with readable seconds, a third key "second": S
{"hour": 3, "minute": 42, "second": 53}
